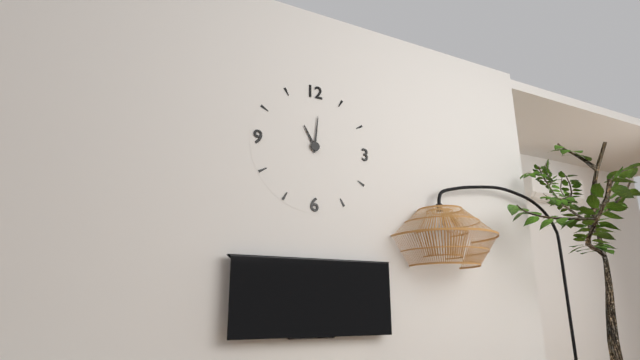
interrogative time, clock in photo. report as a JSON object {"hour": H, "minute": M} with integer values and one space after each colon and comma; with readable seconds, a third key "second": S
{"hour": 11, "minute": 1}
